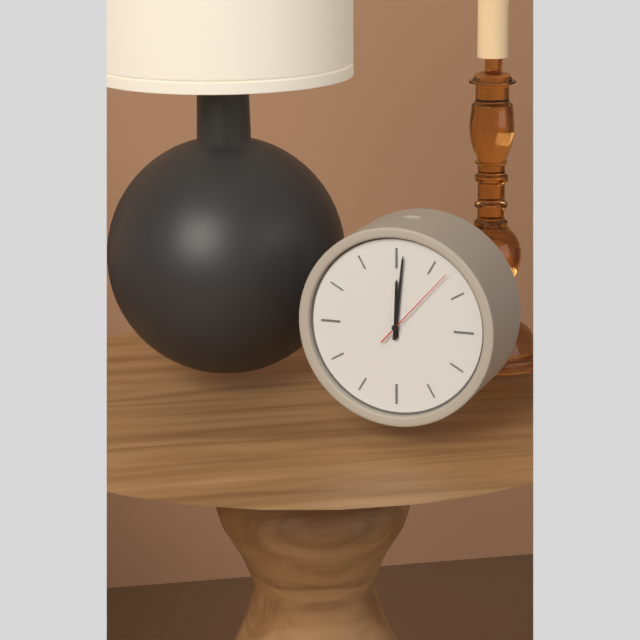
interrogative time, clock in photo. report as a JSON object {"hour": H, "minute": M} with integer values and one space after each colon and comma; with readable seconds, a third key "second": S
{"hour": 12, "minute": 1, "second": 7}
